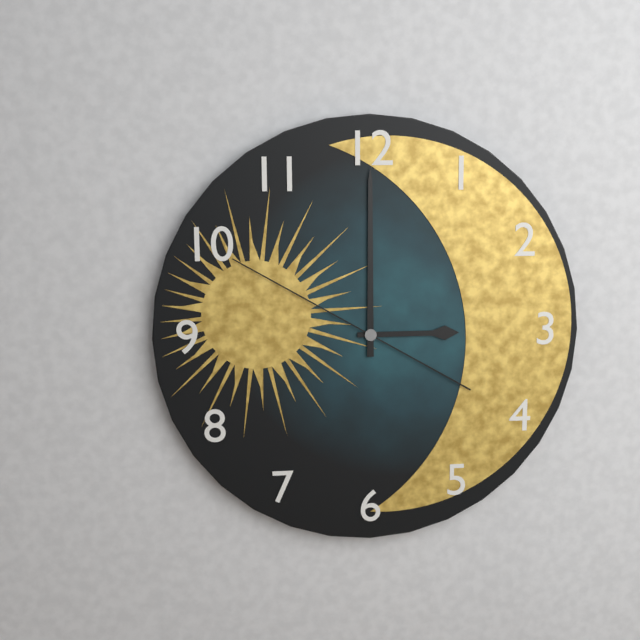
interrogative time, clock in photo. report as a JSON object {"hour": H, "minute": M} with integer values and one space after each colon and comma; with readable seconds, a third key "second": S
{"hour": 3, "minute": 0, "second": 50}
